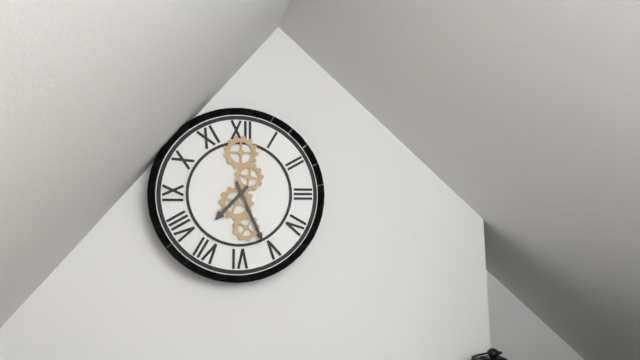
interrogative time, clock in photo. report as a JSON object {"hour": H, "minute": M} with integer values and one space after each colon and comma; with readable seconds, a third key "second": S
{"hour": 7, "minute": 26}
